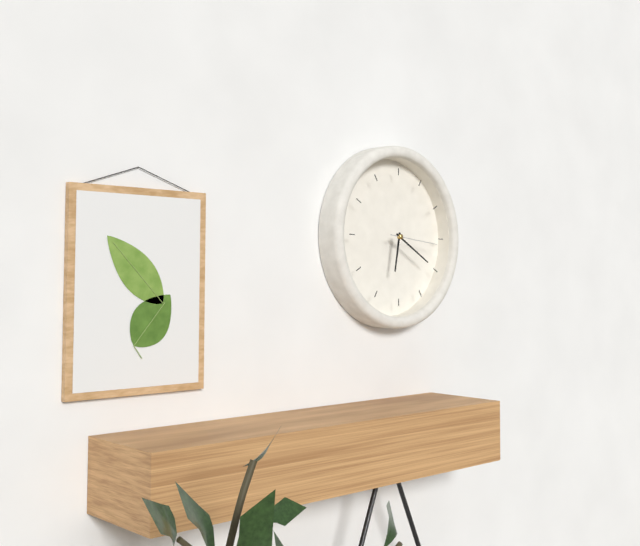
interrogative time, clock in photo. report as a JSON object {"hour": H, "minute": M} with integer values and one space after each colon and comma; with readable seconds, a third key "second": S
{"hour": 6, "minute": 20}
